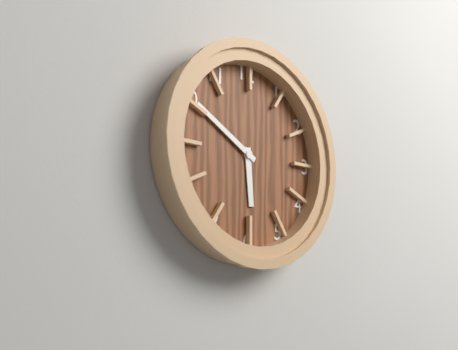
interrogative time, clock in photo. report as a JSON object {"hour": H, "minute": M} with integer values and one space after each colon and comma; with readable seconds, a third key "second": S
{"hour": 5, "minute": 50}
